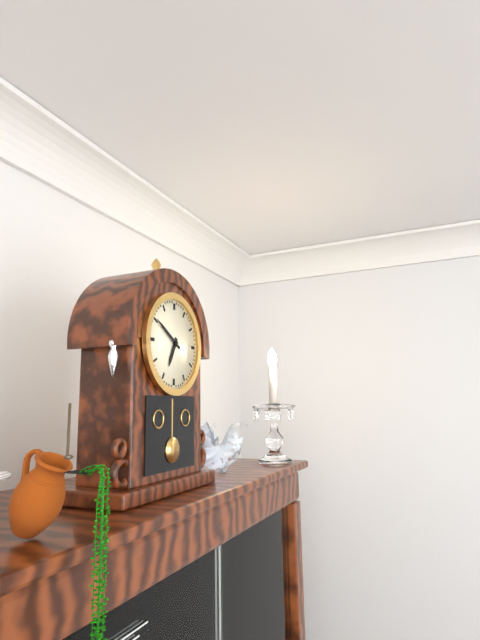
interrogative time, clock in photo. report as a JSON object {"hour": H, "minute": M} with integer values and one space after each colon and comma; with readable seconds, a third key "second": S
{"hour": 6, "minute": 50}
